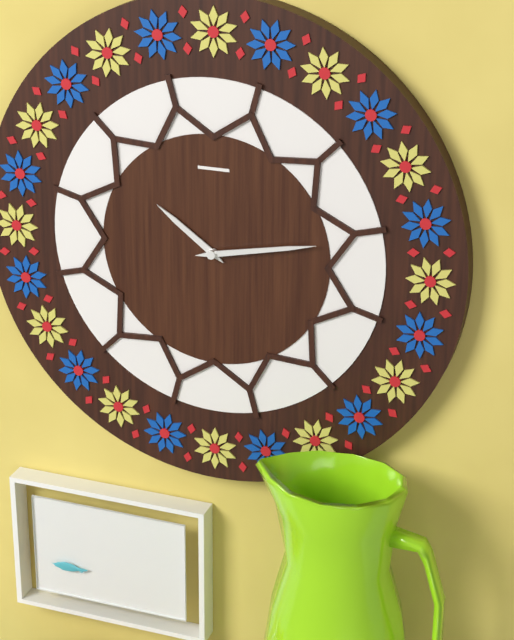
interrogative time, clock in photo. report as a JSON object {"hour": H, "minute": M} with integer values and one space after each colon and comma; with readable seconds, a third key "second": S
{"hour": 10, "minute": 13}
